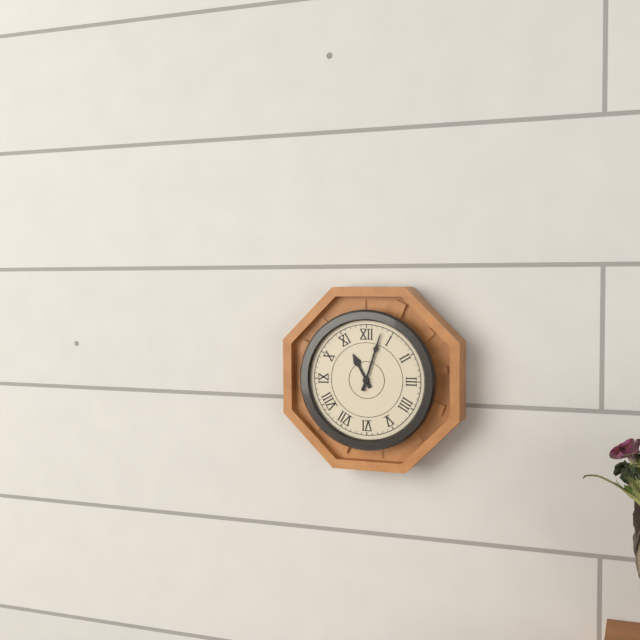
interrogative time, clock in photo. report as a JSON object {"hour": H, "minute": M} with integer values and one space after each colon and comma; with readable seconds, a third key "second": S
{"hour": 11, "minute": 3}
